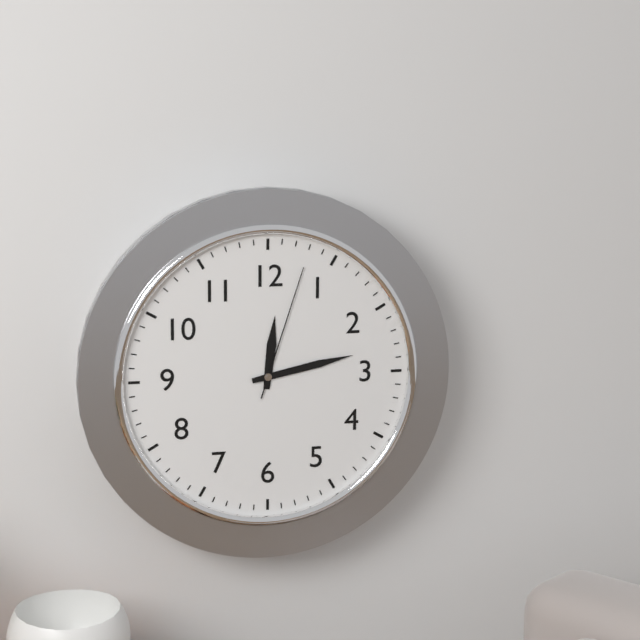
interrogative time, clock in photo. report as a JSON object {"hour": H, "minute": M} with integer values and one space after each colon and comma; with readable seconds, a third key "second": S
{"hour": 12, "minute": 13, "second": 3}
